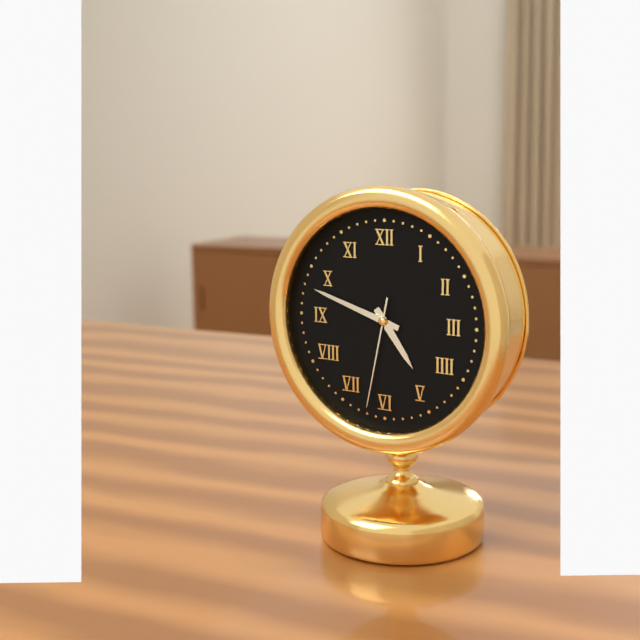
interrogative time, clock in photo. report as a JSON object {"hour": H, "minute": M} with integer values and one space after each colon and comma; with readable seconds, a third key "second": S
{"hour": 4, "minute": 48, "second": 32}
